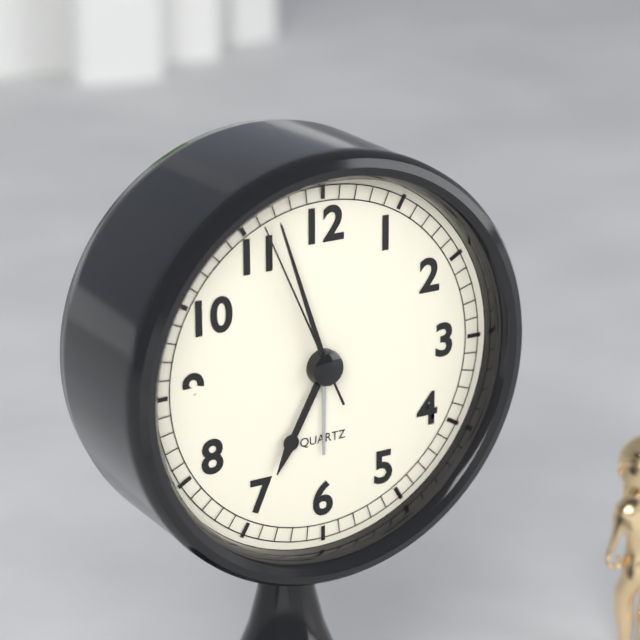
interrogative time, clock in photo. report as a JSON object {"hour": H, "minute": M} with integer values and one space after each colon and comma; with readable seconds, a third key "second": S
{"hour": 6, "minute": 57, "second": 56}
